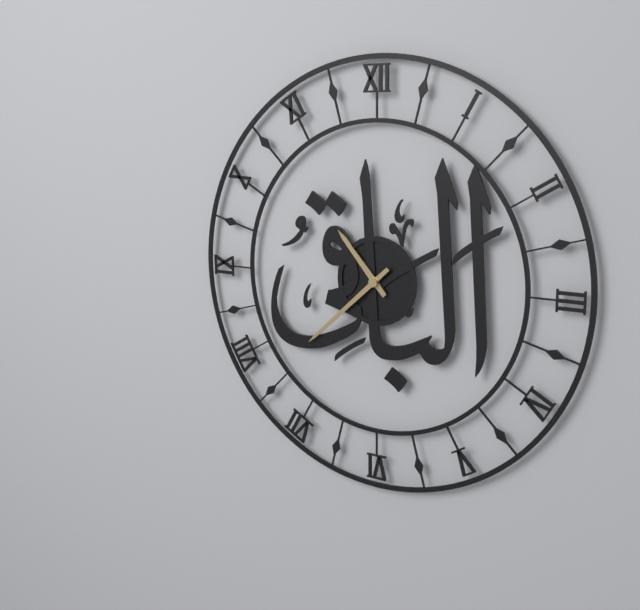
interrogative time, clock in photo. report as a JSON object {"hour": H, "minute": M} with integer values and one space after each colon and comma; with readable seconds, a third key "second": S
{"hour": 10, "minute": 38}
